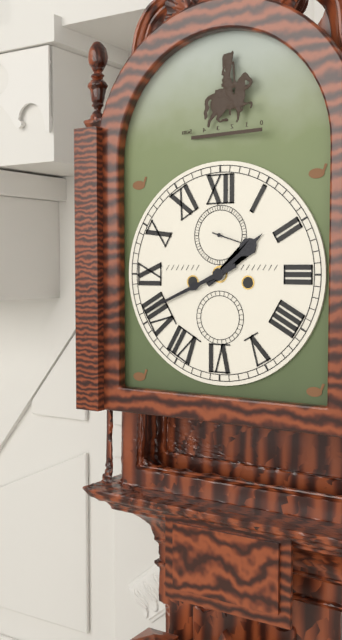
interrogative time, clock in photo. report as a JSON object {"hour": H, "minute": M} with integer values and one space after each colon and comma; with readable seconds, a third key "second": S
{"hour": 1, "minute": 41}
